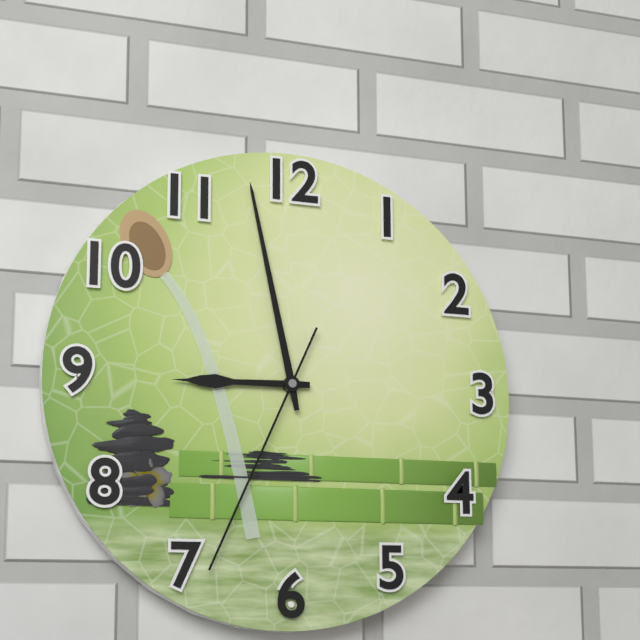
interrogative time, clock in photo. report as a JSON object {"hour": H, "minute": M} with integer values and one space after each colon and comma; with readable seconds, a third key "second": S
{"hour": 8, "minute": 58, "second": 34}
